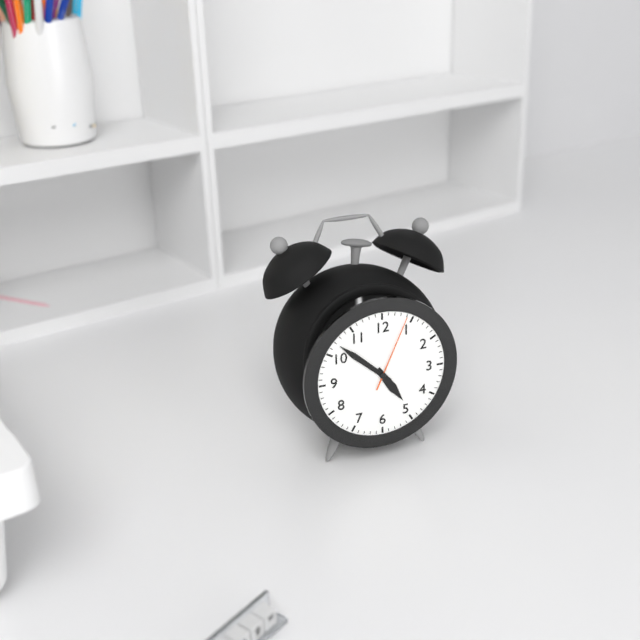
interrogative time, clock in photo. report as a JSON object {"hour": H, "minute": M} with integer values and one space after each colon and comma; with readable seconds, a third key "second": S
{"hour": 4, "minute": 52, "second": 4}
